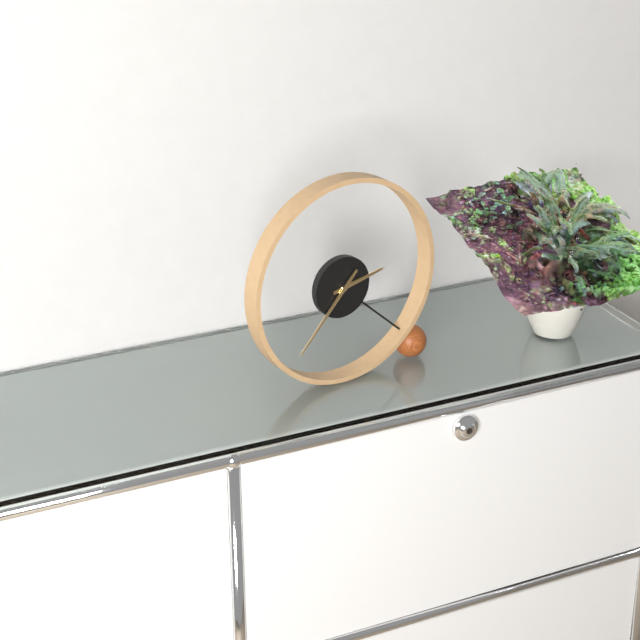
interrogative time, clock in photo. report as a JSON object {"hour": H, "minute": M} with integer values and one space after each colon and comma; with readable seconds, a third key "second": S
{"hour": 2, "minute": 37}
